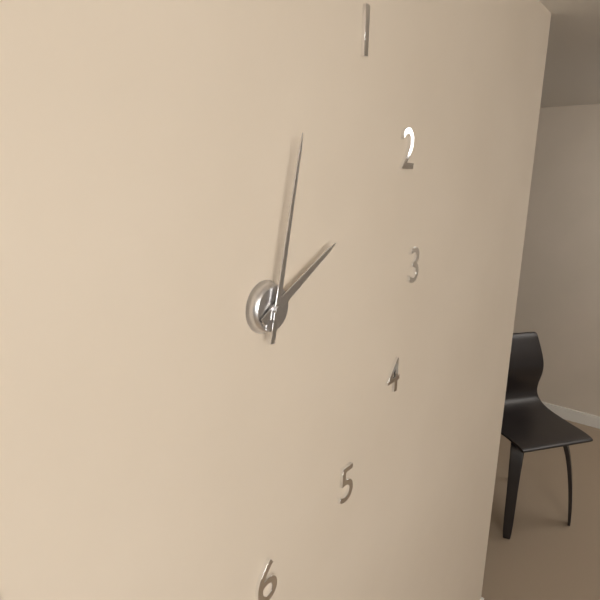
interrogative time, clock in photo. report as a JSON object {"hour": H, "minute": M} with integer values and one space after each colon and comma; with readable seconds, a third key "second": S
{"hour": 2, "minute": 2}
